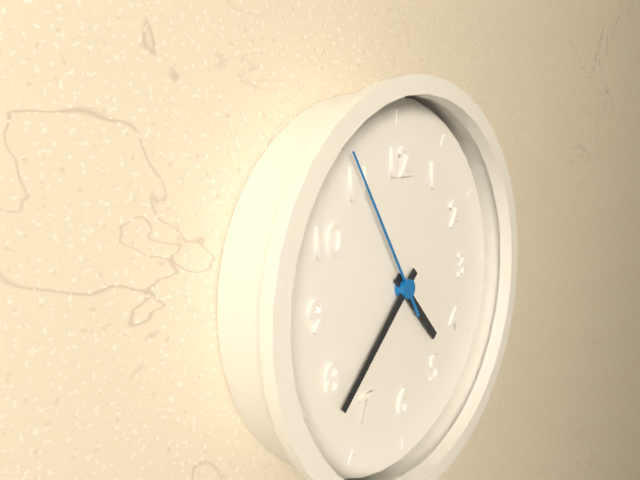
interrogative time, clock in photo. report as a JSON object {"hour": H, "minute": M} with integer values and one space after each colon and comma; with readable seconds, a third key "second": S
{"hour": 4, "minute": 38, "second": 55}
